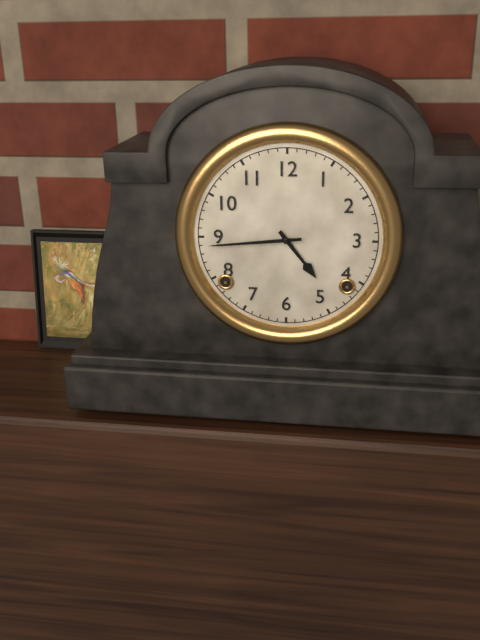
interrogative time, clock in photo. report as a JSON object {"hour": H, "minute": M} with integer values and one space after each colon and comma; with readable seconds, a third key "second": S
{"hour": 4, "minute": 44}
